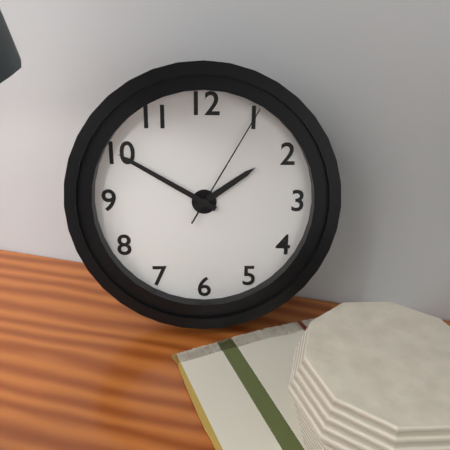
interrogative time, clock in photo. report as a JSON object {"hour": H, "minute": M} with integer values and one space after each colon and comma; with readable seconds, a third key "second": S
{"hour": 1, "minute": 50, "second": 5}
